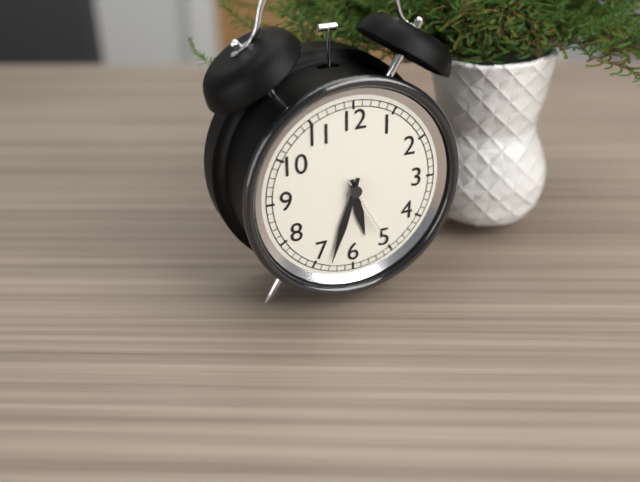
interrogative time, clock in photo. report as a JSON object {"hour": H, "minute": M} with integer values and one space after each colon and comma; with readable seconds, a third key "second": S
{"hour": 5, "minute": 33, "second": 25}
